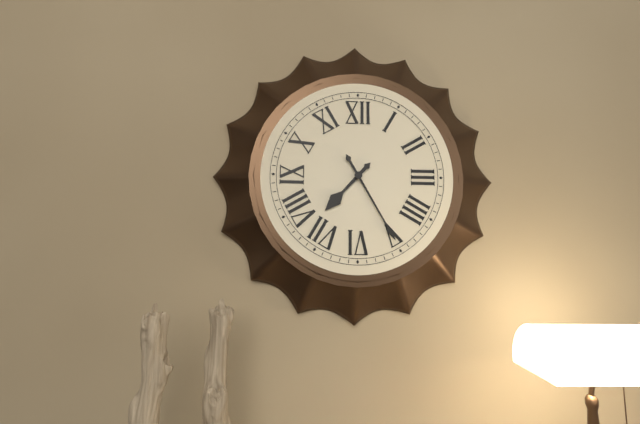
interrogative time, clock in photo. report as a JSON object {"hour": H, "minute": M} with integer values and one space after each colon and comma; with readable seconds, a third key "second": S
{"hour": 7, "minute": 25}
